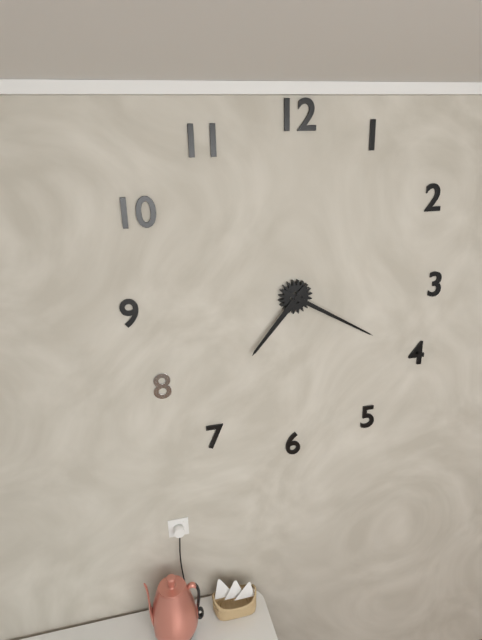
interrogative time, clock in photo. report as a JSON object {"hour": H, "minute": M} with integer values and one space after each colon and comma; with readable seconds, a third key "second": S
{"hour": 7, "minute": 20}
